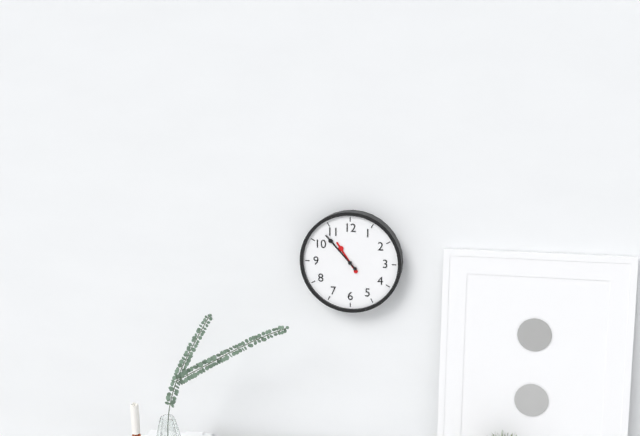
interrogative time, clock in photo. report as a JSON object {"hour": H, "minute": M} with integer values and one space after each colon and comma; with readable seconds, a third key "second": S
{"hour": 10, "minute": 53}
